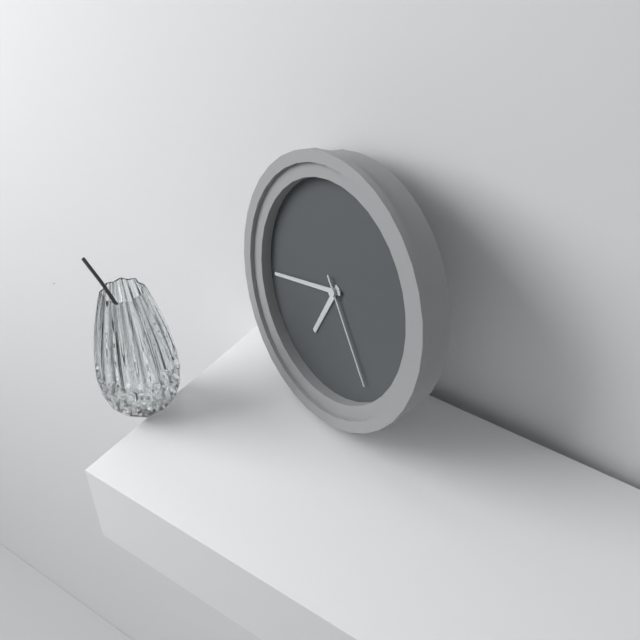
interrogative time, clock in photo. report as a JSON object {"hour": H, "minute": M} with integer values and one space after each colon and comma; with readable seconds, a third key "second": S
{"hour": 6, "minute": 42, "second": 23}
